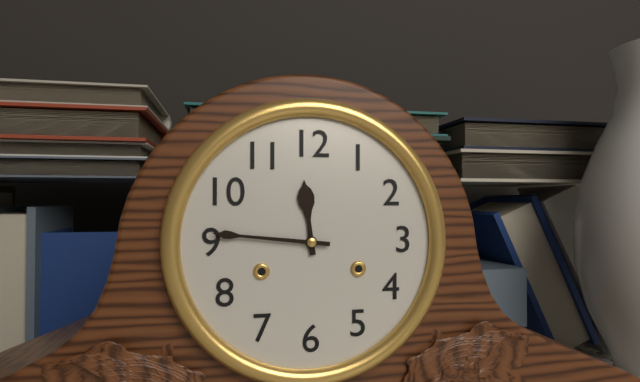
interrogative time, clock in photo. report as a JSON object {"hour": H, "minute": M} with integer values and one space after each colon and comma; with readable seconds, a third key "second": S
{"hour": 11, "minute": 46}
